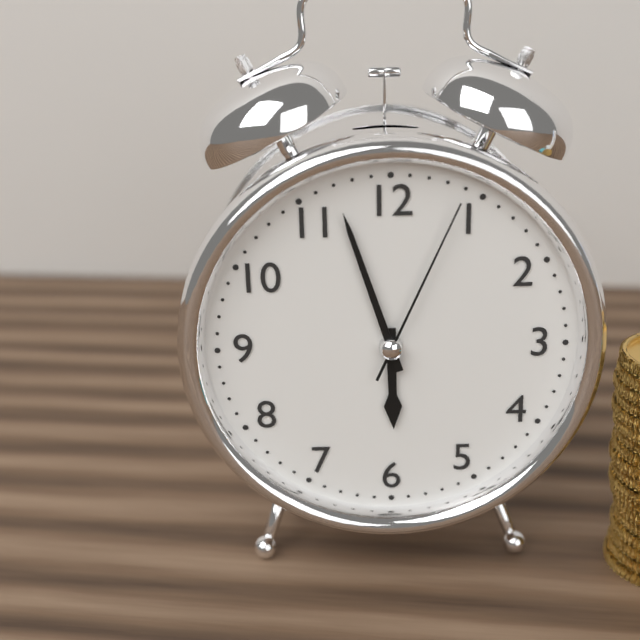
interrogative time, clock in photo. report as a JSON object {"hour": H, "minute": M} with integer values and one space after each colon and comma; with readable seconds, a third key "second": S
{"hour": 5, "minute": 57, "second": 4}
